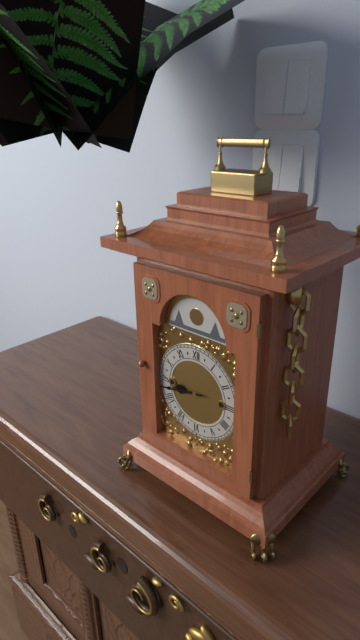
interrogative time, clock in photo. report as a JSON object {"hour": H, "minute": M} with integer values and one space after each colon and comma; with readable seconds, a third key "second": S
{"hour": 8, "minute": 43}
